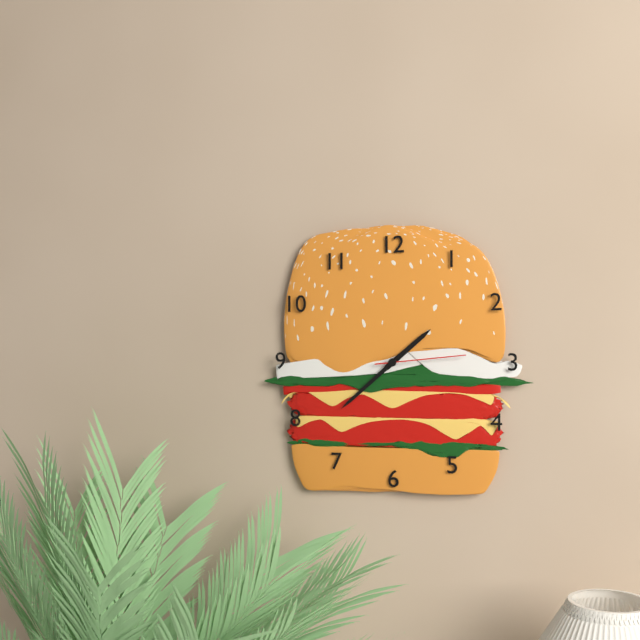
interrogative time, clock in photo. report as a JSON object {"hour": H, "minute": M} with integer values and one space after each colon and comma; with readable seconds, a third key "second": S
{"hour": 1, "minute": 38, "second": 14}
